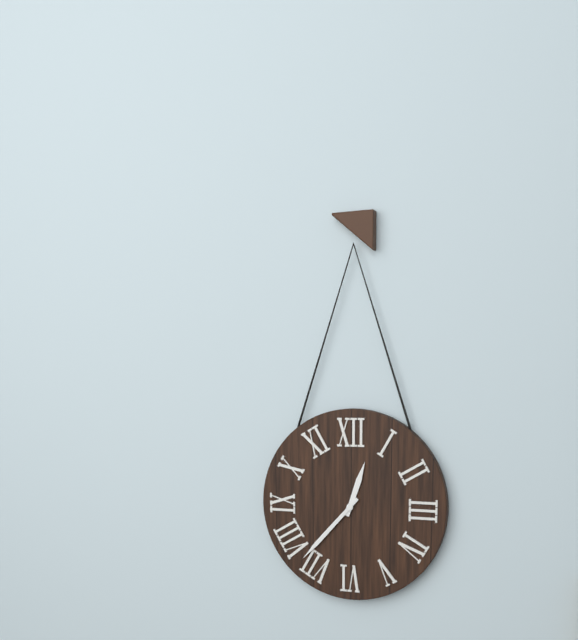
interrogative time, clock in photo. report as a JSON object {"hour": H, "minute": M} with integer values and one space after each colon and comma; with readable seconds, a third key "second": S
{"hour": 12, "minute": 37}
